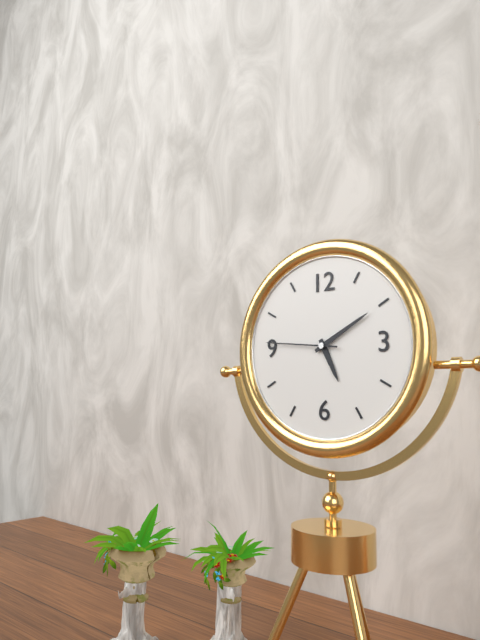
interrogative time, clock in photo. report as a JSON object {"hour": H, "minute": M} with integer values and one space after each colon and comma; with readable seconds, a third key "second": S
{"hour": 5, "minute": 10, "second": 46}
